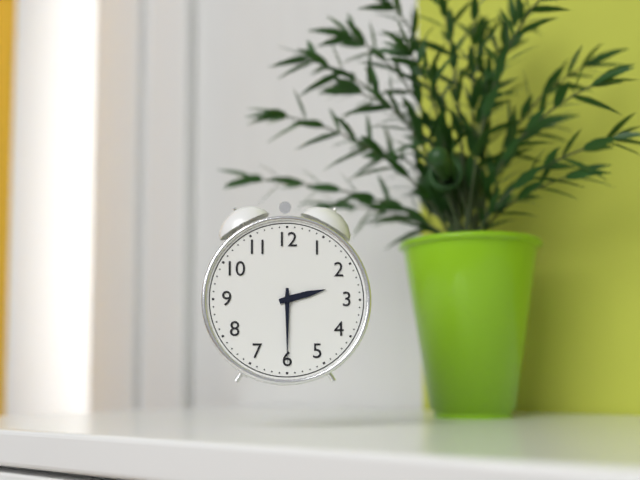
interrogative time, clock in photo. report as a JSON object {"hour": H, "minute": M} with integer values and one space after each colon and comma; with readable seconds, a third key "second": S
{"hour": 2, "minute": 30}
